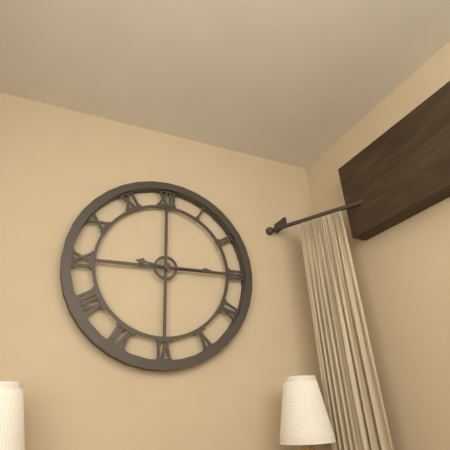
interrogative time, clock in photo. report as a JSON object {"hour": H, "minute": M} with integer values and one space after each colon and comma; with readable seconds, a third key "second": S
{"hour": 9, "minute": 15}
